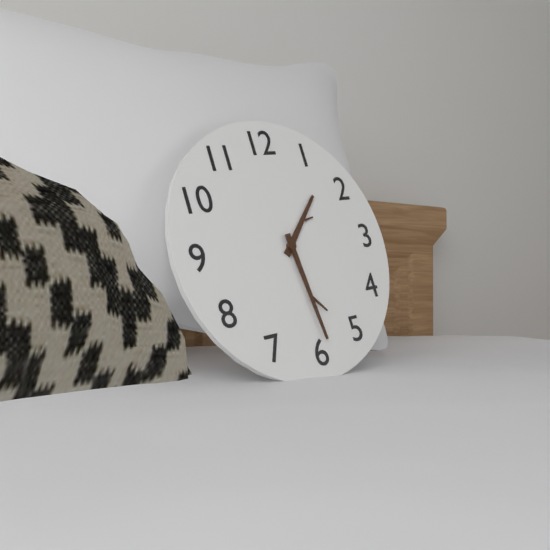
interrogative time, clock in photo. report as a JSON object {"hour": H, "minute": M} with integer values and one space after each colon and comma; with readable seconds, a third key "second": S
{"hour": 1, "minute": 29}
